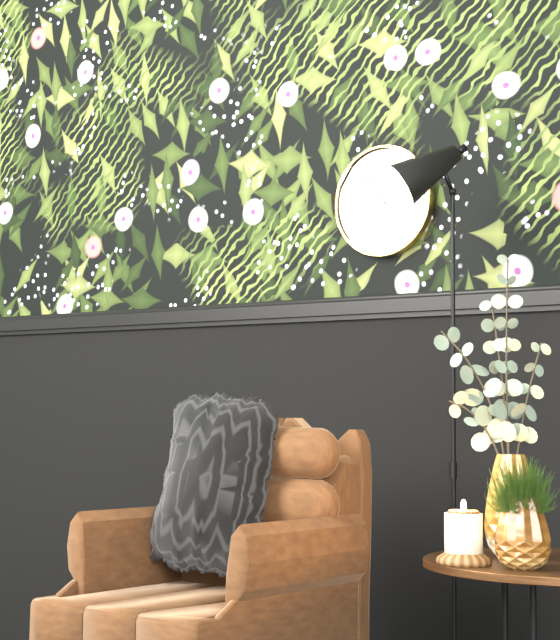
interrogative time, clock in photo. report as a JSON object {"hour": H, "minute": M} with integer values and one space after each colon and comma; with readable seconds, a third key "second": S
{"hour": 2, "minute": 53}
